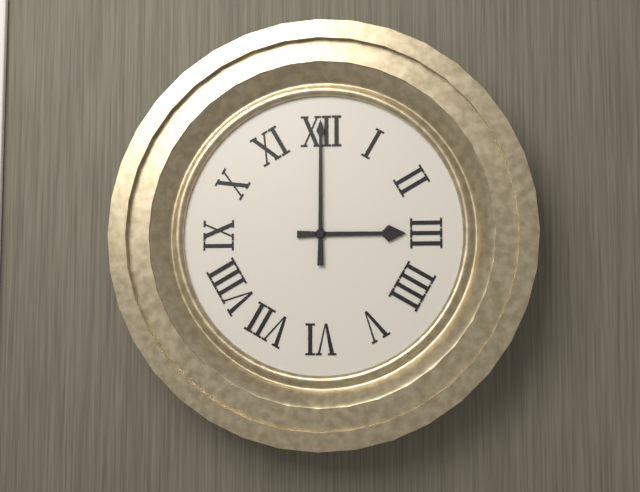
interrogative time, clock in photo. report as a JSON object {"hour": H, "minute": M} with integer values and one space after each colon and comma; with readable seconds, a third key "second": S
{"hour": 3, "minute": 0}
